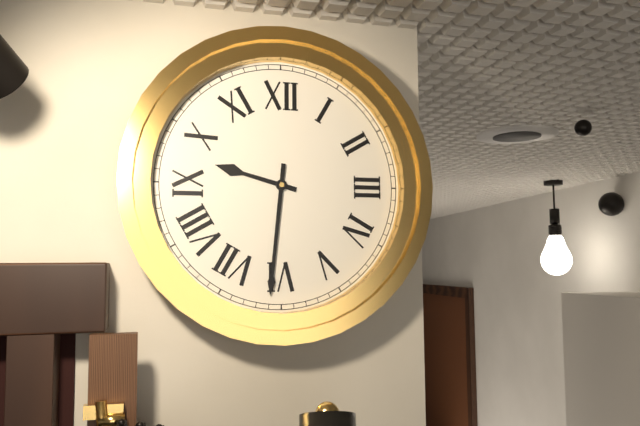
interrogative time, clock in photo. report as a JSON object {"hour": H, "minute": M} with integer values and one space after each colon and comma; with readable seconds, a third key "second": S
{"hour": 9, "minute": 31}
